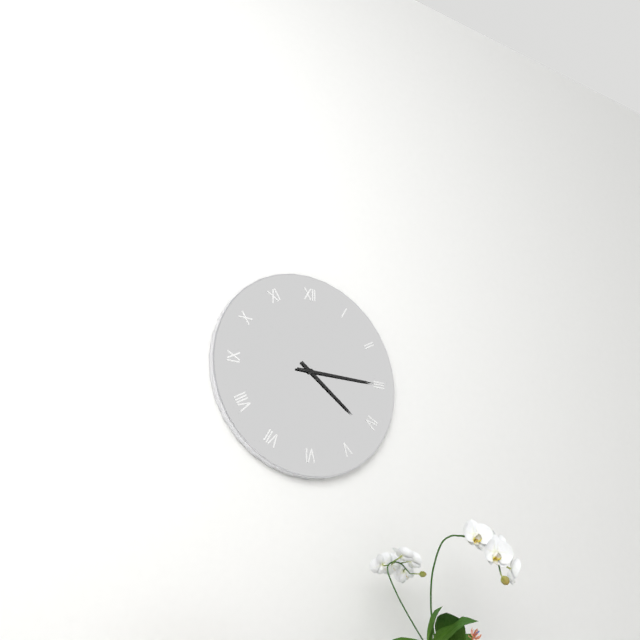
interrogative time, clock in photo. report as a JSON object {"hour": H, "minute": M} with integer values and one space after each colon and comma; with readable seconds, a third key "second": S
{"hour": 4, "minute": 15}
